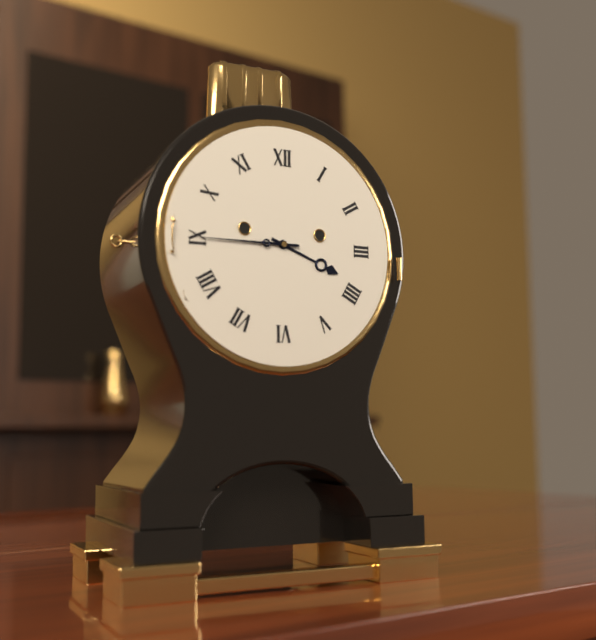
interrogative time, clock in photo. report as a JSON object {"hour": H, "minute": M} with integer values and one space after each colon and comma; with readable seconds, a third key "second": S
{"hour": 3, "minute": 45}
